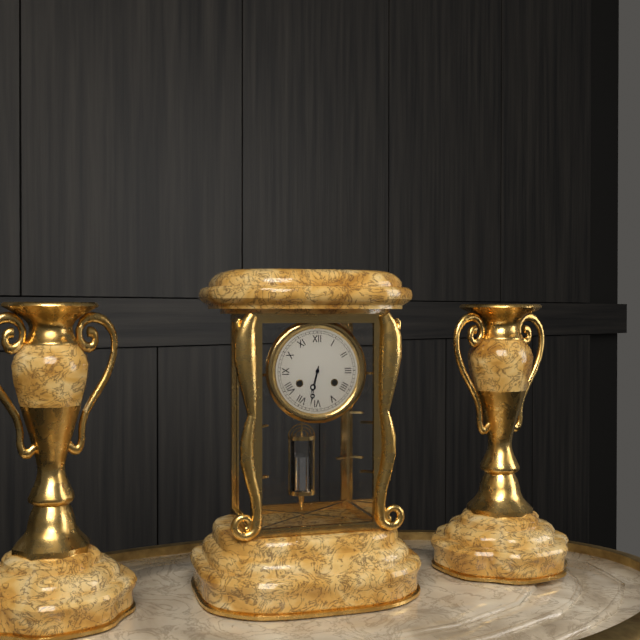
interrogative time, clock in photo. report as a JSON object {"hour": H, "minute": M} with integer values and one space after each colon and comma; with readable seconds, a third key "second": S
{"hour": 6, "minute": 32}
